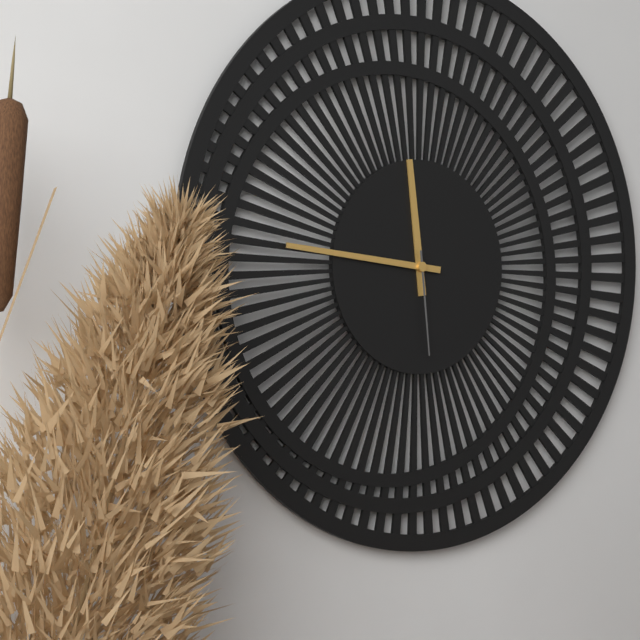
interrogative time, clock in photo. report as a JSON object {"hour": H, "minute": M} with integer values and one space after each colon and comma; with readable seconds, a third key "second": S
{"hour": 11, "minute": 46, "second": 29}
